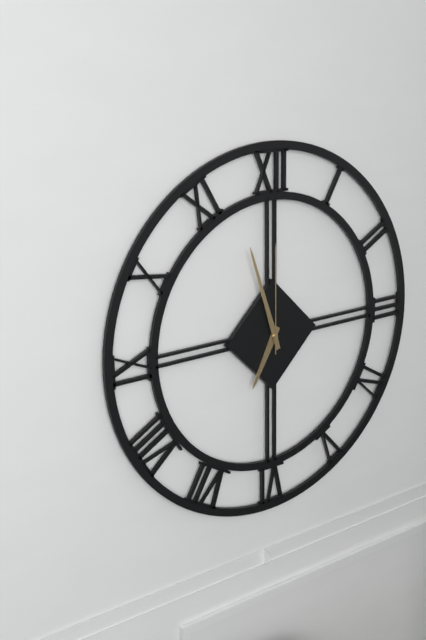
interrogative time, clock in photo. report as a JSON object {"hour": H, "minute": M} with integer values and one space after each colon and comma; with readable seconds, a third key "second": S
{"hour": 6, "minute": 57, "second": 0}
